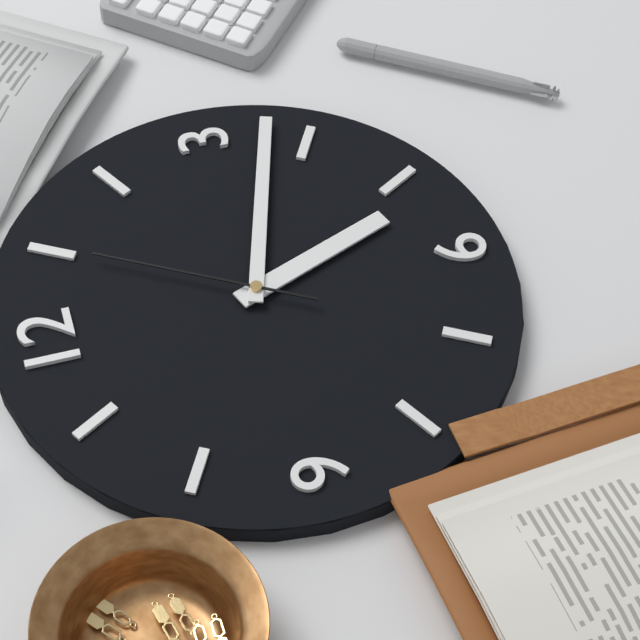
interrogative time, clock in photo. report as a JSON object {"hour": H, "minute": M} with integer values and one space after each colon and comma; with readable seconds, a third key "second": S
{"hour": 5, "minute": 18, "second": 5}
